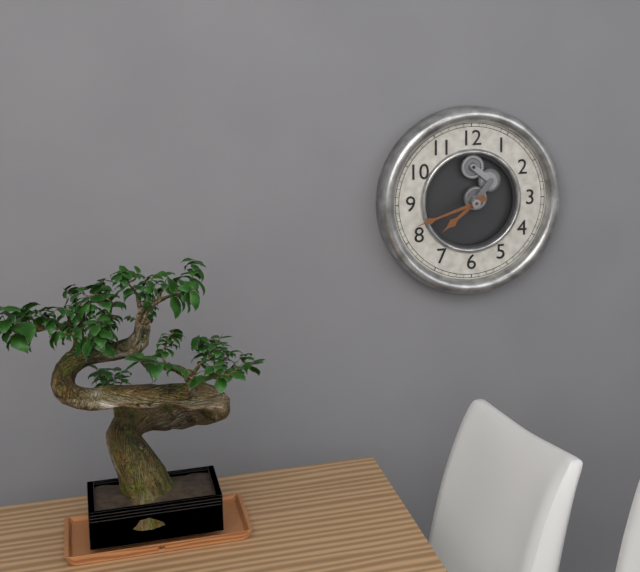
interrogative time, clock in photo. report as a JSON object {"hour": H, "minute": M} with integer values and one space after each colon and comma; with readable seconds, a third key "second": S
{"hour": 7, "minute": 42}
